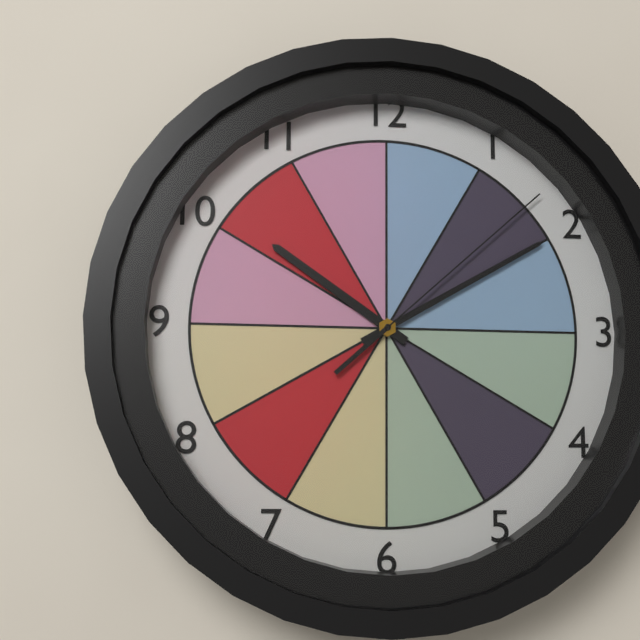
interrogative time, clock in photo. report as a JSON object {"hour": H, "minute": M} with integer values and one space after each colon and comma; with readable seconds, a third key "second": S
{"hour": 10, "minute": 10, "second": 8}
